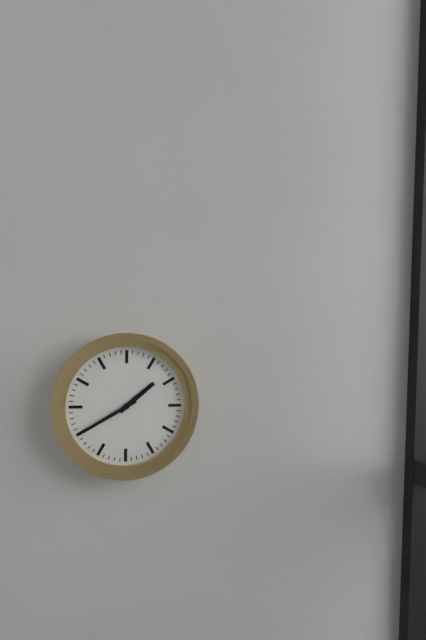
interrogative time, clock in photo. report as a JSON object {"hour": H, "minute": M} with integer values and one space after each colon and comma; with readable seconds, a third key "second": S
{"hour": 1, "minute": 40}
